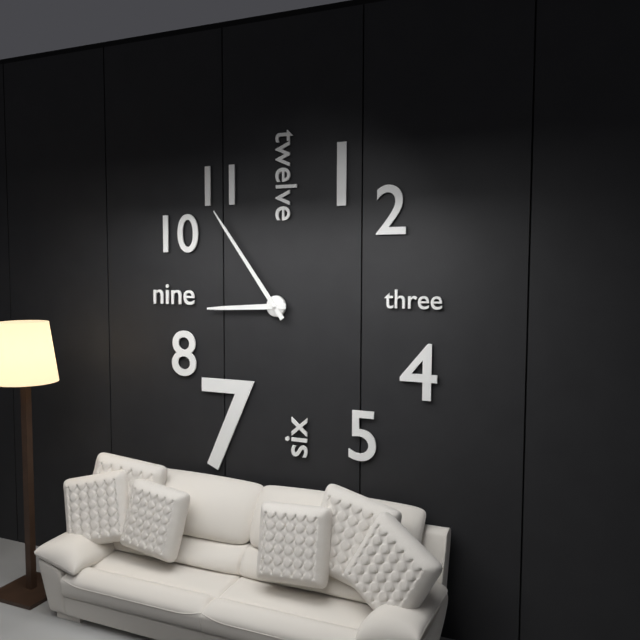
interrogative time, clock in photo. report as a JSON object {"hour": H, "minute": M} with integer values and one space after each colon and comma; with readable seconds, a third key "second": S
{"hour": 8, "minute": 54}
